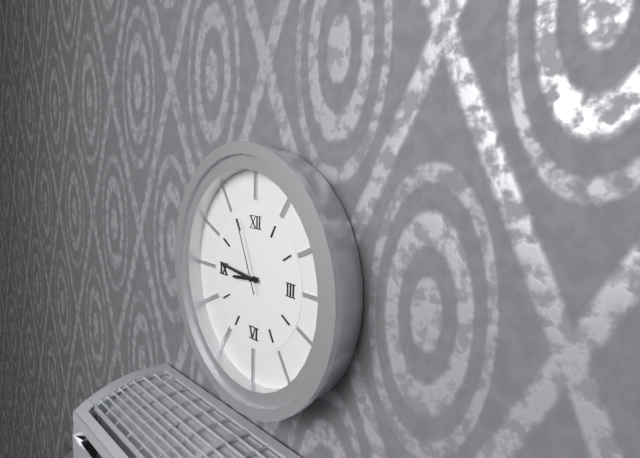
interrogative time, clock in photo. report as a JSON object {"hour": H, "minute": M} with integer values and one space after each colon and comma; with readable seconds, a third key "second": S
{"hour": 8, "minute": 46, "second": 56}
